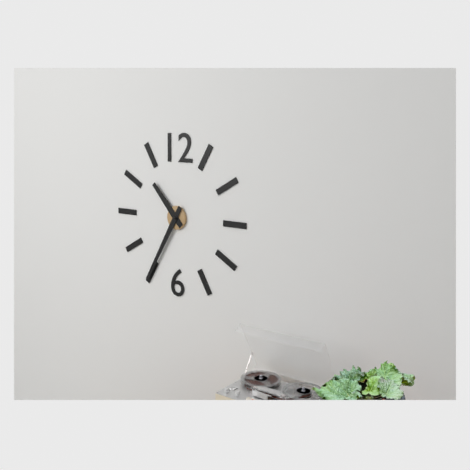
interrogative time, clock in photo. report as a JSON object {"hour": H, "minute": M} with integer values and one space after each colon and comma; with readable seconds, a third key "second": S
{"hour": 10, "minute": 35}
